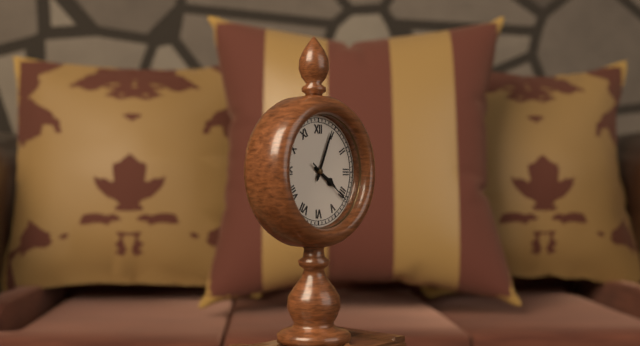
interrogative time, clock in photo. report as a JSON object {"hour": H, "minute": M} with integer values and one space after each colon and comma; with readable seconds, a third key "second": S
{"hour": 4, "minute": 4, "second": 21}
